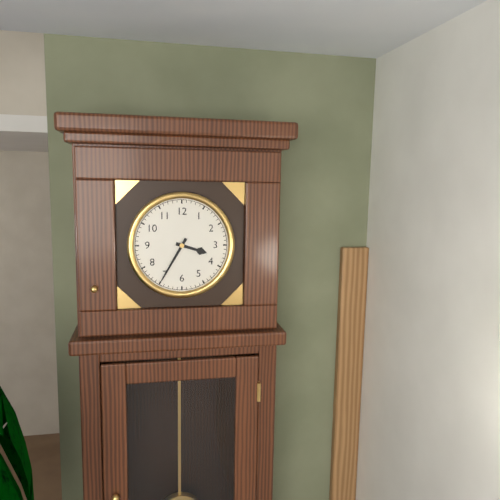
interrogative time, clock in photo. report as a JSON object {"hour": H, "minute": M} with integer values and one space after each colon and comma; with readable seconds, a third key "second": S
{"hour": 3, "minute": 35}
